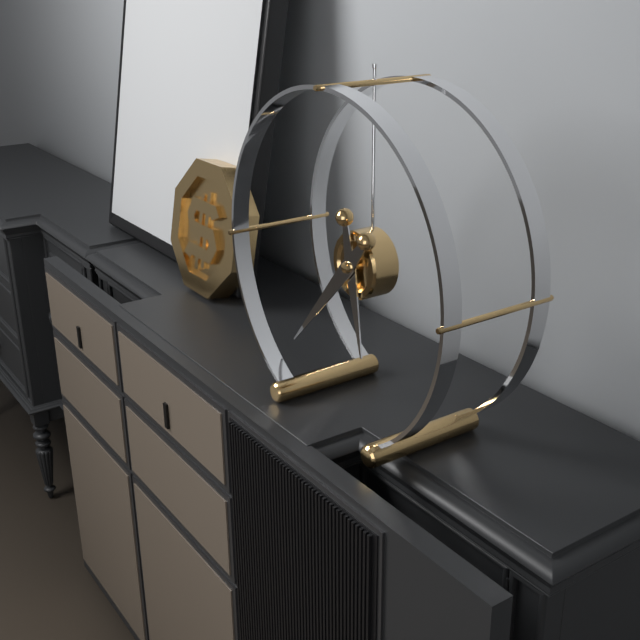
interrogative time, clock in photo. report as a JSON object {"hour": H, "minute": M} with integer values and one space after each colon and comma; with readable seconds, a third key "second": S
{"hour": 5, "minute": 37}
